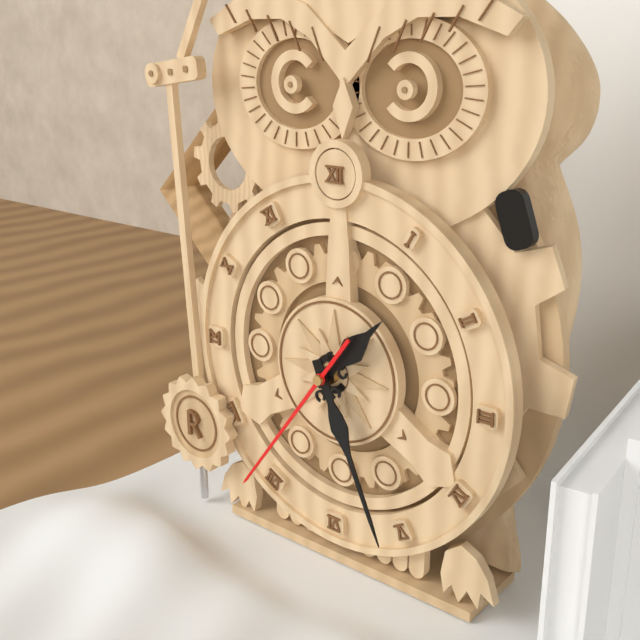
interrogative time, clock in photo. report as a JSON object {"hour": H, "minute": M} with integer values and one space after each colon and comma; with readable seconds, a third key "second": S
{"hour": 1, "minute": 26, "second": 36}
